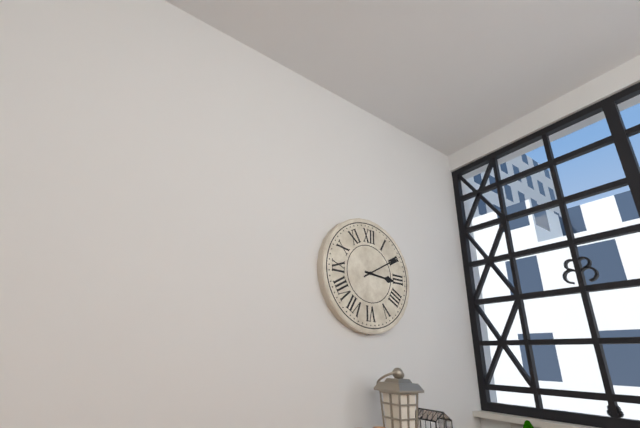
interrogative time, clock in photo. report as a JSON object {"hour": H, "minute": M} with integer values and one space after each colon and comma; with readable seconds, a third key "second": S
{"hour": 3, "minute": 10}
